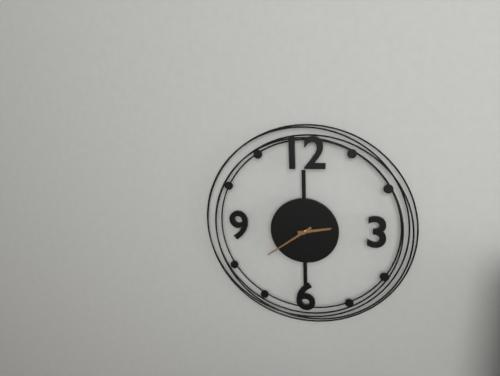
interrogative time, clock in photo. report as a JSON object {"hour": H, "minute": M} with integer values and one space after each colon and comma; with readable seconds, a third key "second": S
{"hour": 2, "minute": 39}
